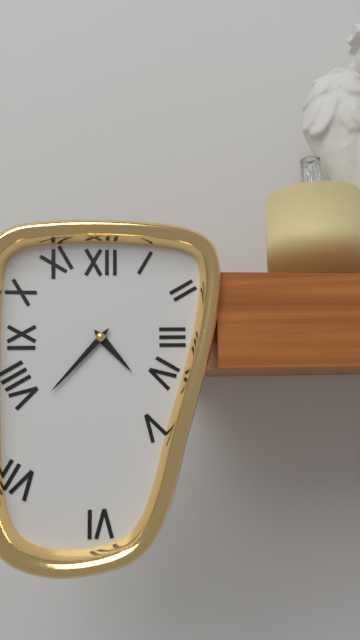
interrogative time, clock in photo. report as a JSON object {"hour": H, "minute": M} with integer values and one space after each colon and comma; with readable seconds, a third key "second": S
{"hour": 4, "minute": 37}
